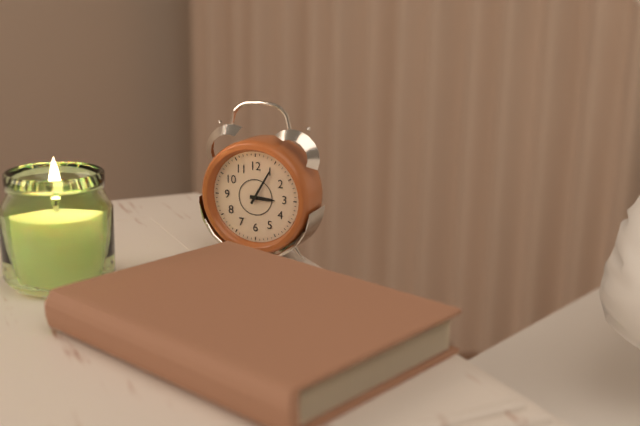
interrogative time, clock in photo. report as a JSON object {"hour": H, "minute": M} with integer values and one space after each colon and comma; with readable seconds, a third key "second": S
{"hour": 3, "minute": 5}
